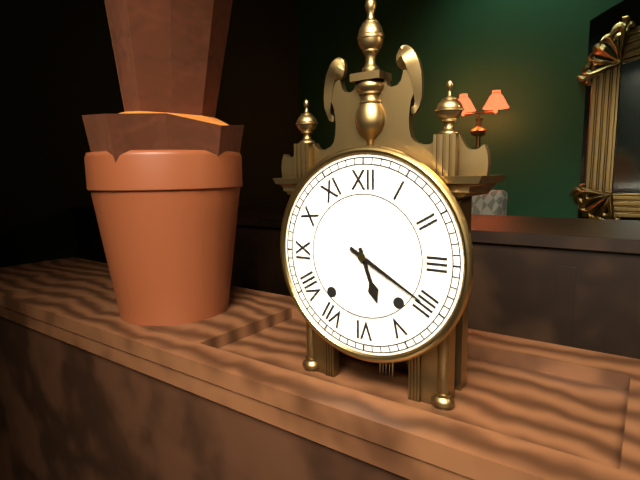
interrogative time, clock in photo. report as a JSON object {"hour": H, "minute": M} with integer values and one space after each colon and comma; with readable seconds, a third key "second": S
{"hour": 5, "minute": 20}
